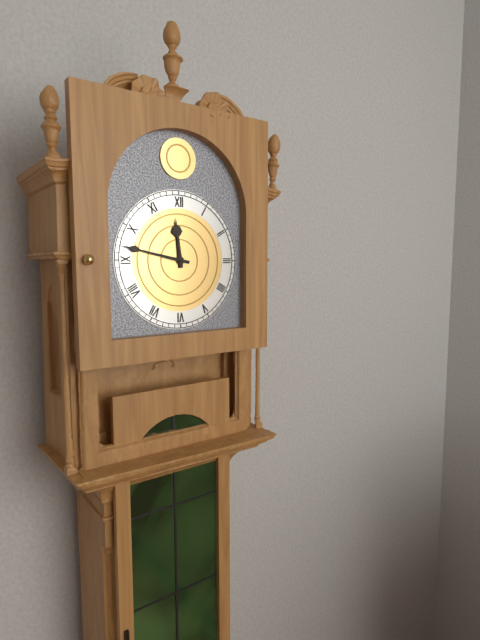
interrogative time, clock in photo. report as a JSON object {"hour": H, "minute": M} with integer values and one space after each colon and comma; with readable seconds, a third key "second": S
{"hour": 11, "minute": 47}
